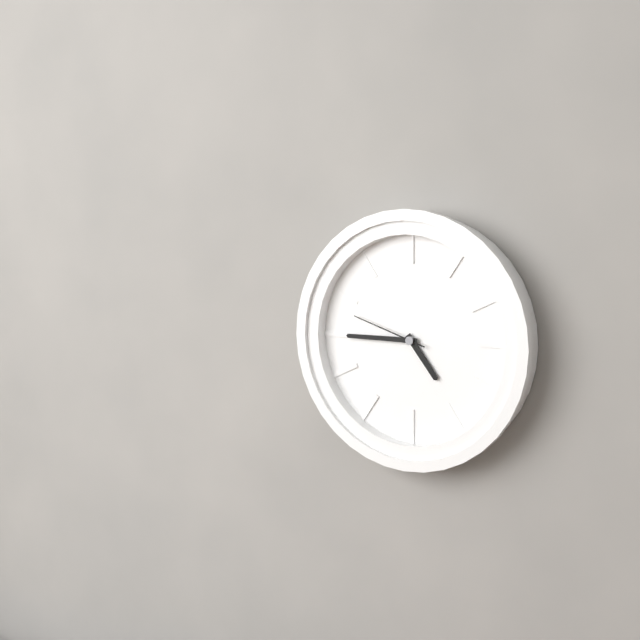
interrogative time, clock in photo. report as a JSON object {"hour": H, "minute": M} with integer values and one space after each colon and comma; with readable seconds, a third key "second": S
{"hour": 4, "minute": 45, "second": 48}
